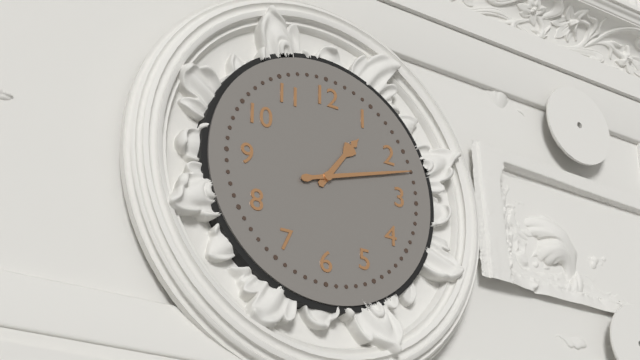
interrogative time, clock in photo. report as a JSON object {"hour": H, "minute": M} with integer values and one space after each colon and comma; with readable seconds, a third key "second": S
{"hour": 1, "minute": 12}
